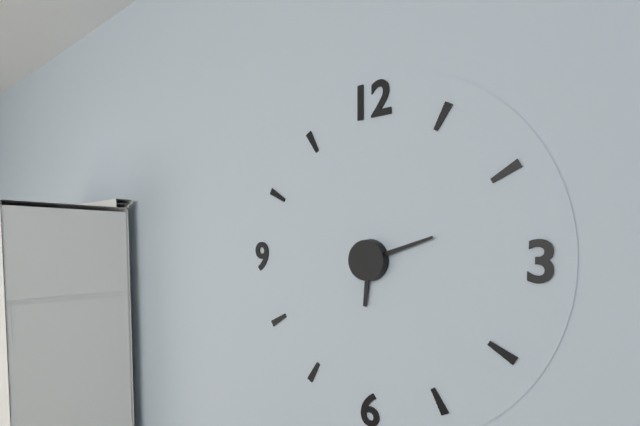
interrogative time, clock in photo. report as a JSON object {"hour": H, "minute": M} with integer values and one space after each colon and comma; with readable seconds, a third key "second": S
{"hour": 6, "minute": 12}
